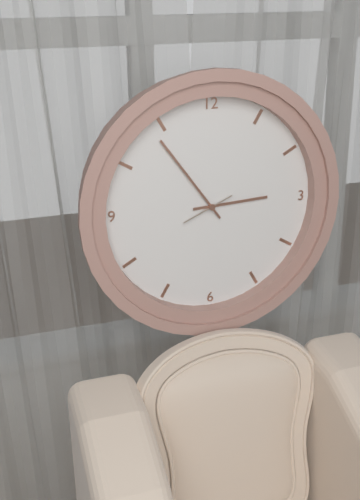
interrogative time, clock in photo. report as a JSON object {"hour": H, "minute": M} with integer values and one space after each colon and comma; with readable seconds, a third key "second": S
{"hour": 2, "minute": 54}
